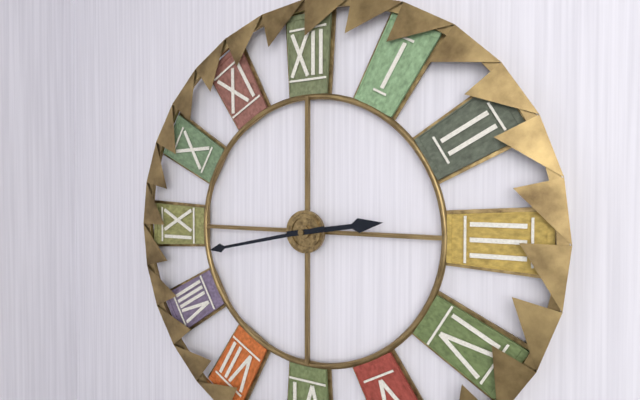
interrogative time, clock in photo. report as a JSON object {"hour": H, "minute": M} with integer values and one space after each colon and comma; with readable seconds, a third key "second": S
{"hour": 2, "minute": 43}
